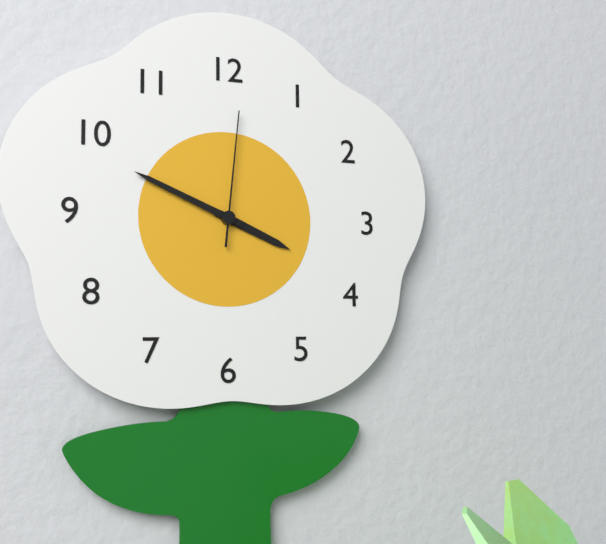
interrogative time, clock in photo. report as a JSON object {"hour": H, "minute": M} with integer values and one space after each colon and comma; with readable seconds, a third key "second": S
{"hour": 3, "minute": 49, "second": 1}
